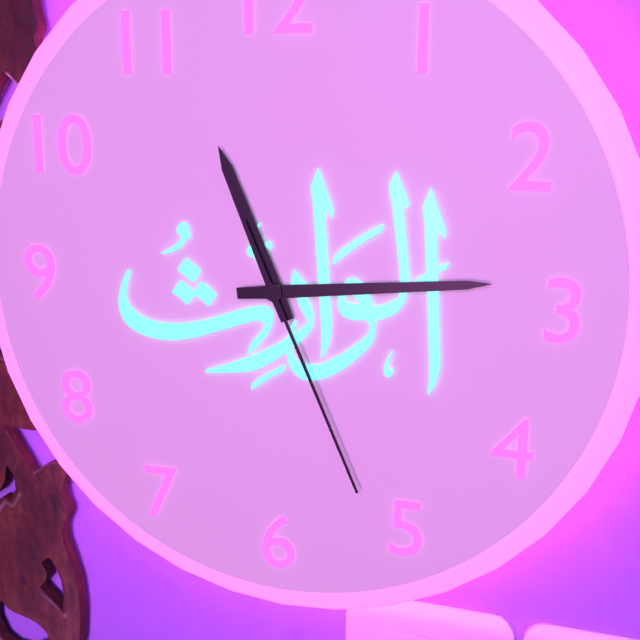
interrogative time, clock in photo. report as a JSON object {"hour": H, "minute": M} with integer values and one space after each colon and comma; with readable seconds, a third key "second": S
{"hour": 11, "minute": 14, "second": 26}
